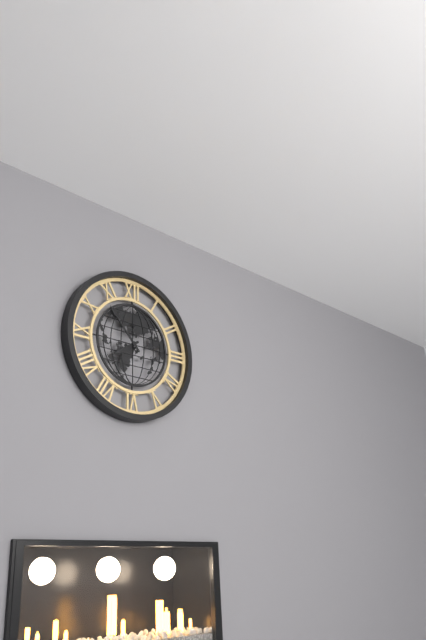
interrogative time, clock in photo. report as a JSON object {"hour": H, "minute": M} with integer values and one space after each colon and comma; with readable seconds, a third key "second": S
{"hour": 7, "minute": 53}
